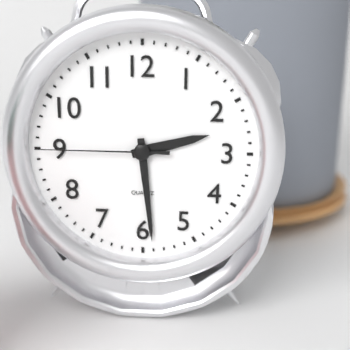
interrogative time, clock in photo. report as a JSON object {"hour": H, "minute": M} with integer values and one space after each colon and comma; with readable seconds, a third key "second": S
{"hour": 2, "minute": 29, "second": 45}
